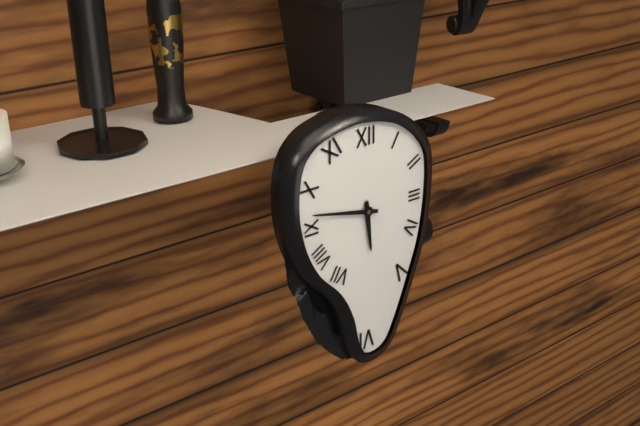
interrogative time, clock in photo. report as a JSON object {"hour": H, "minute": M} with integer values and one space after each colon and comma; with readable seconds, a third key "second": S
{"hour": 5, "minute": 47}
